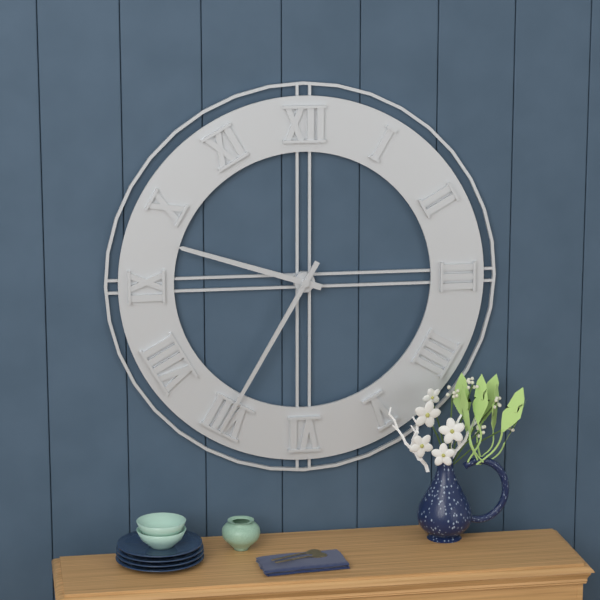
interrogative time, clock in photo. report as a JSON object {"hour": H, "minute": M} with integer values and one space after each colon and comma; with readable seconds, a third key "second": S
{"hour": 9, "minute": 35}
